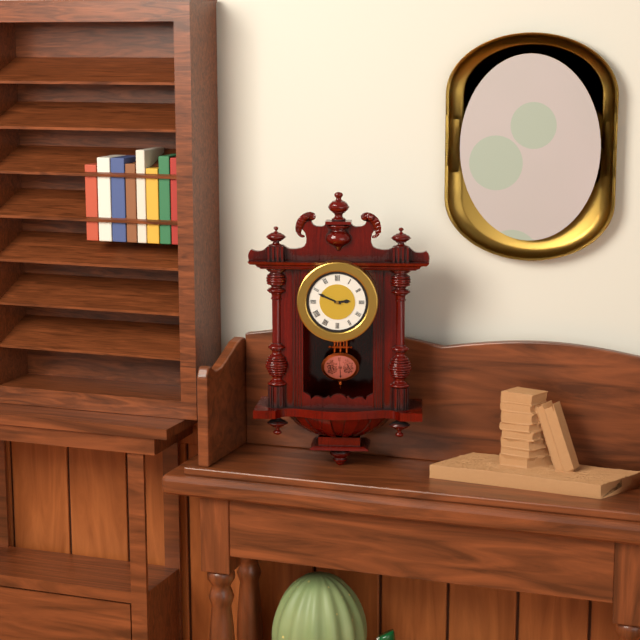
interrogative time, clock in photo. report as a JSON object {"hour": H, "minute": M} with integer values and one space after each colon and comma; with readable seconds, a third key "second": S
{"hour": 2, "minute": 49}
